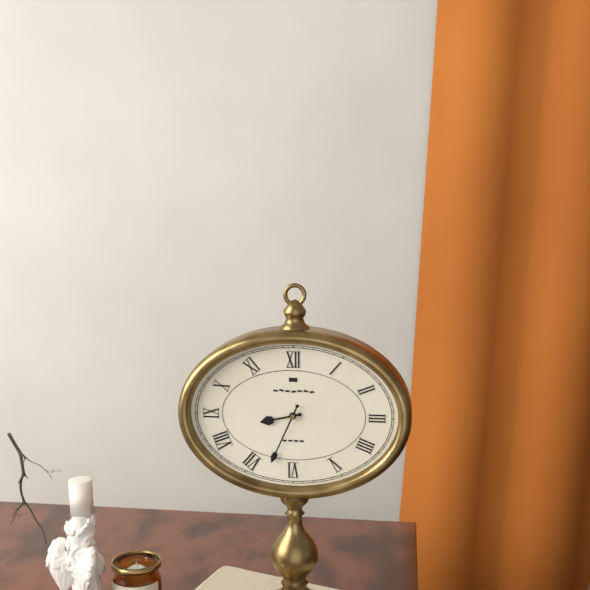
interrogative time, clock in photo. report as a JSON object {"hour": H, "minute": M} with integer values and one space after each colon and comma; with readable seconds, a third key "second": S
{"hour": 8, "minute": 34}
